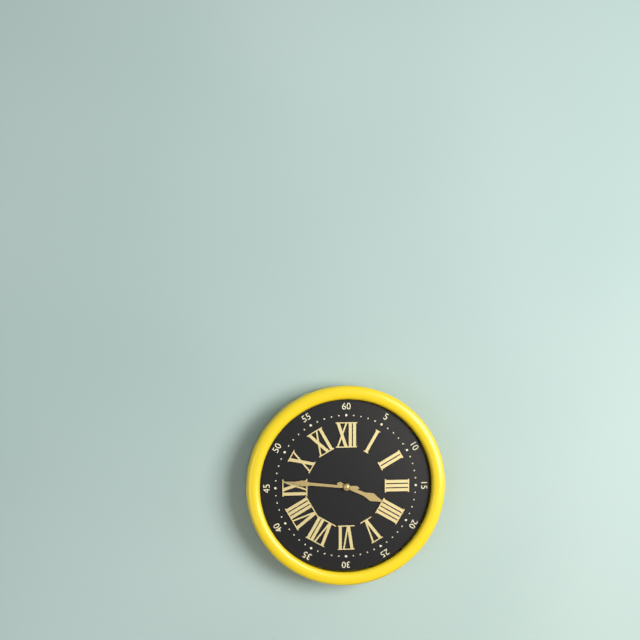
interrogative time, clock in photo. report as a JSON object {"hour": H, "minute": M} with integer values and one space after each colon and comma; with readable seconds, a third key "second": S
{"hour": 3, "minute": 46}
